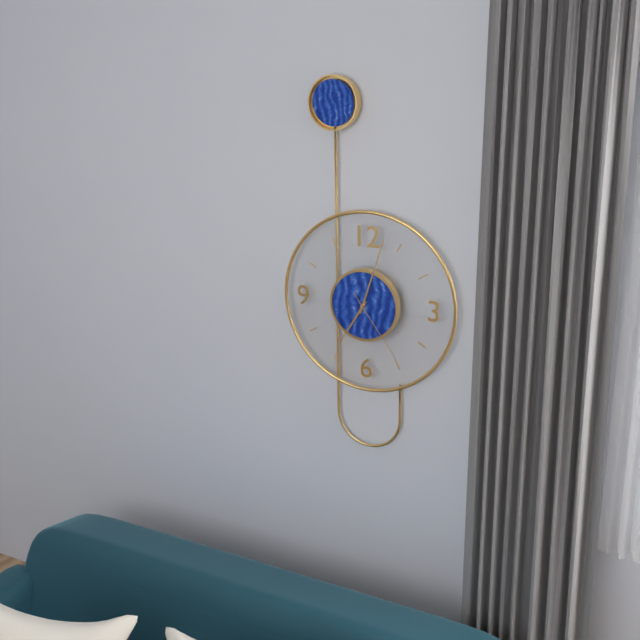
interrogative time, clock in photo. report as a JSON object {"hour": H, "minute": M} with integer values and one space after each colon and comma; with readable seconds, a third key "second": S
{"hour": 7, "minute": 3, "second": 24}
